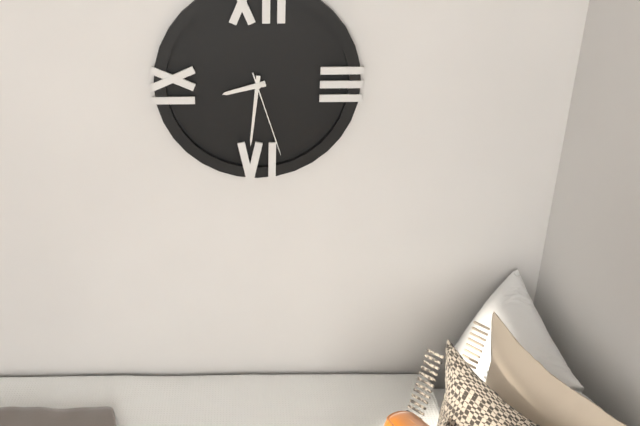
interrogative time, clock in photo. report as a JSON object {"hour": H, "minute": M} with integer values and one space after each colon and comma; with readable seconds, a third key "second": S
{"hour": 8, "minute": 31, "second": 27}
